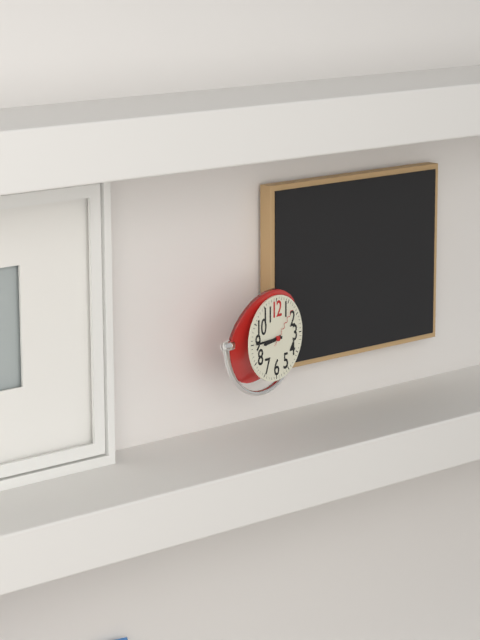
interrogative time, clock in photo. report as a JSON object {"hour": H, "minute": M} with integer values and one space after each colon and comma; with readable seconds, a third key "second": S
{"hour": 8, "minute": 45}
